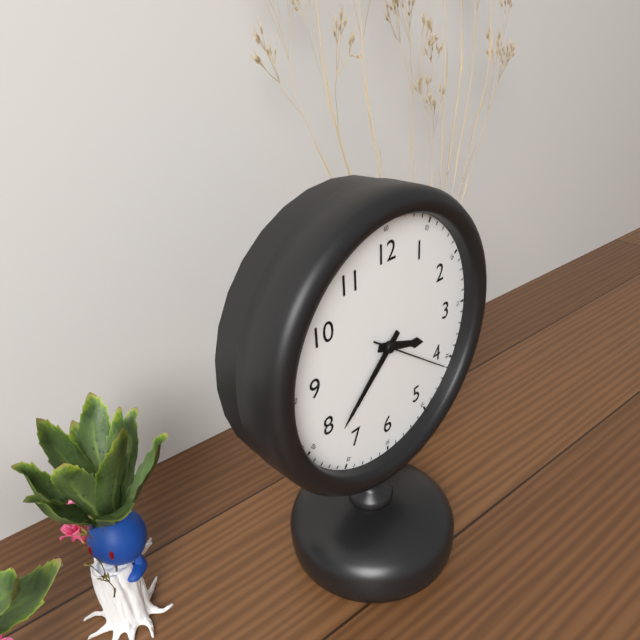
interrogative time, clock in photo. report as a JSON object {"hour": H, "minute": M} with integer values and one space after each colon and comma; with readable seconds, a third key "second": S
{"hour": 3, "minute": 38, "second": 21}
